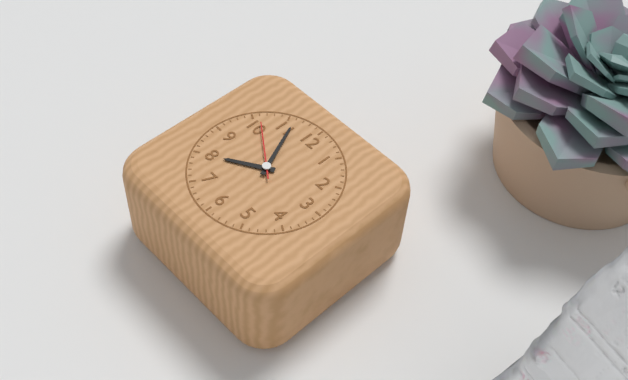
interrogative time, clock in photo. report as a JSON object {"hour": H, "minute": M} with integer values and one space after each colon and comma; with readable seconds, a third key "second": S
{"hour": 7, "minute": 56, "second": 51}
